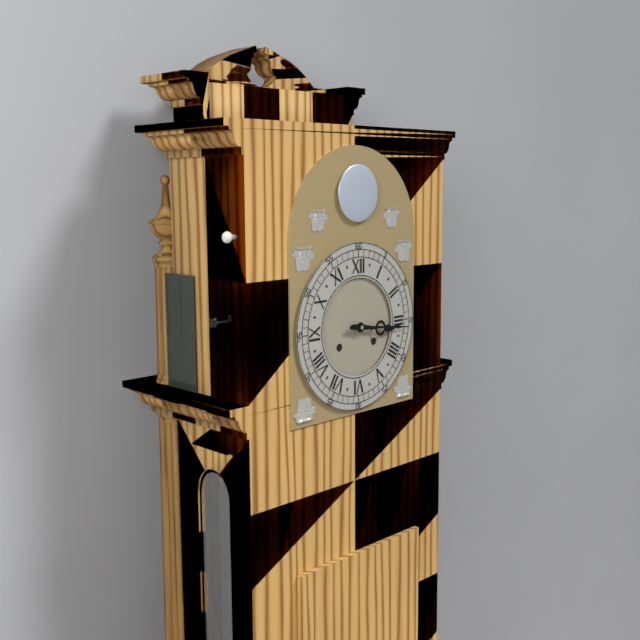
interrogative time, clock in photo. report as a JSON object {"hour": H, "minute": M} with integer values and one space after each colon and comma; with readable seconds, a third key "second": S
{"hour": 3, "minute": 16}
